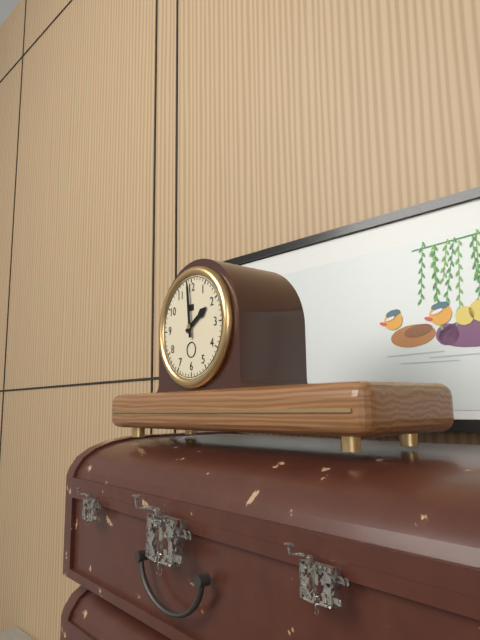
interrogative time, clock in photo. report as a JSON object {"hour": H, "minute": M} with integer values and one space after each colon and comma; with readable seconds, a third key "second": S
{"hour": 1, "minute": 59}
